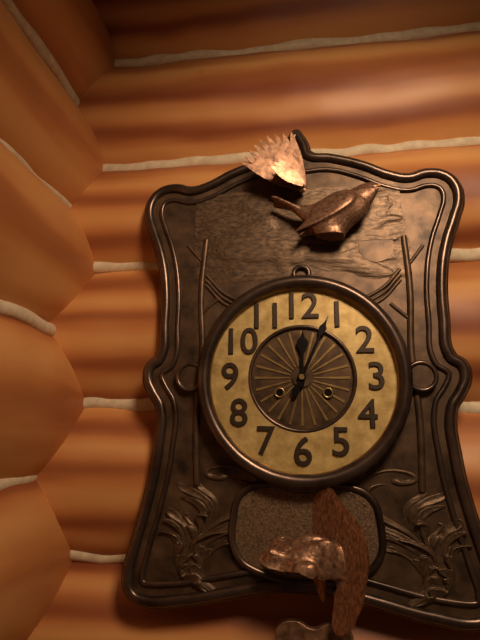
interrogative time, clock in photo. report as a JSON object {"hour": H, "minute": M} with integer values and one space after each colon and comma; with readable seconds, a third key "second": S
{"hour": 12, "minute": 4}
